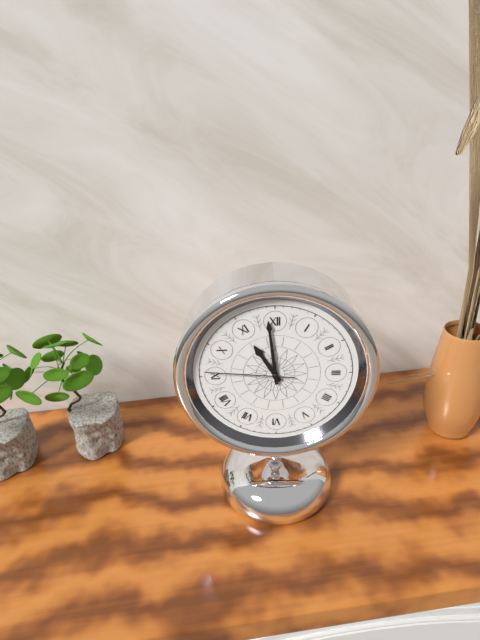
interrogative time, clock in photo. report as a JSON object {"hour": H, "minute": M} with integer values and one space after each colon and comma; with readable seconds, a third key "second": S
{"hour": 10, "minute": 59, "second": 46}
